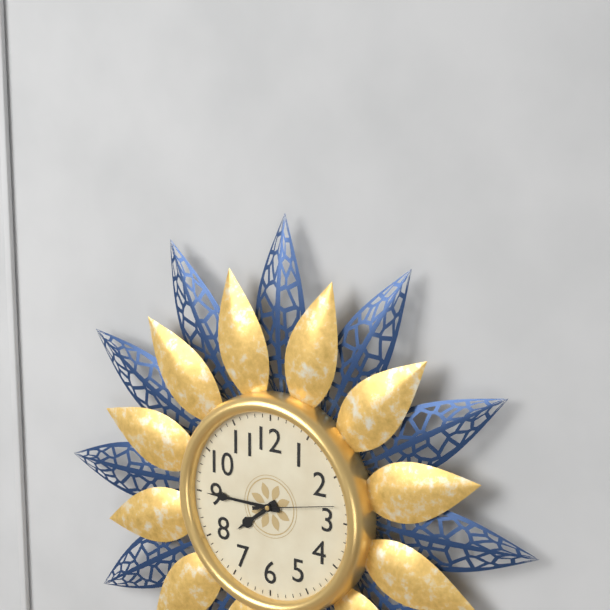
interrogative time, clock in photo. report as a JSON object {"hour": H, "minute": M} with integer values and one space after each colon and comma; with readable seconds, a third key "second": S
{"hour": 7, "minute": 45, "second": 13}
